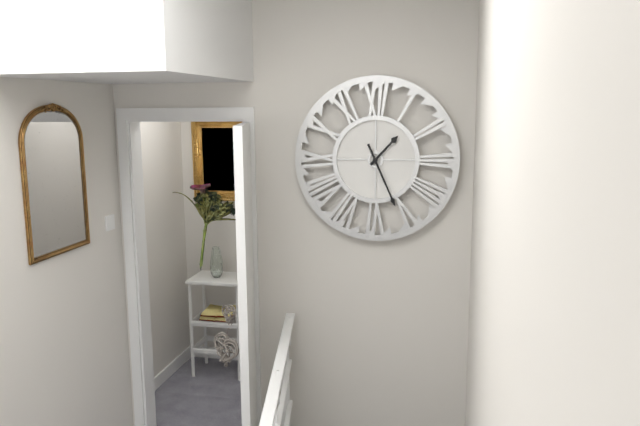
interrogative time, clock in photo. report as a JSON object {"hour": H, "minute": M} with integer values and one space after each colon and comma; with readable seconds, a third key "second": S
{"hour": 1, "minute": 26}
